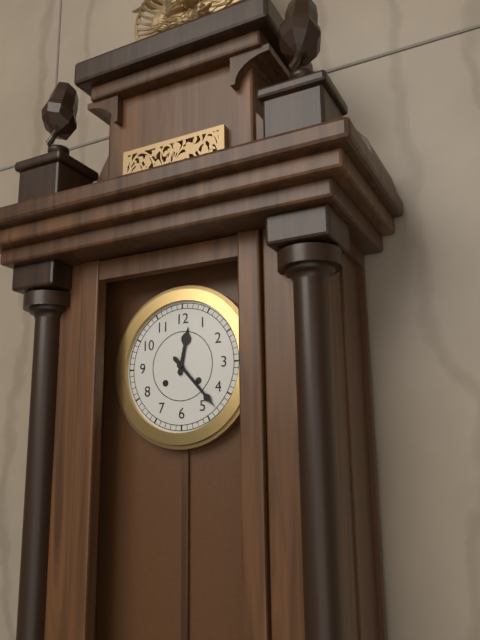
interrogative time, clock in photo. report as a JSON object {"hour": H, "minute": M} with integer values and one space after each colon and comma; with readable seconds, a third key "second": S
{"hour": 12, "minute": 23}
